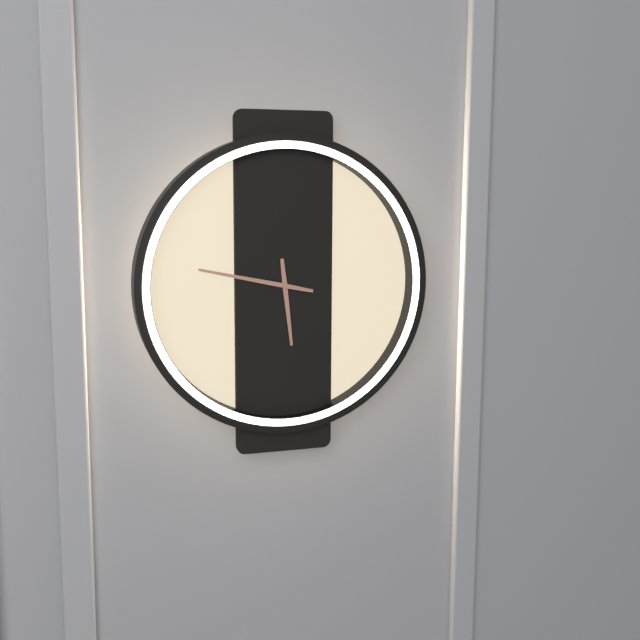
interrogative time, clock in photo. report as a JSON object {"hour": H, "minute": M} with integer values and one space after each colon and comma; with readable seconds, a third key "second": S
{"hour": 5, "minute": 47}
